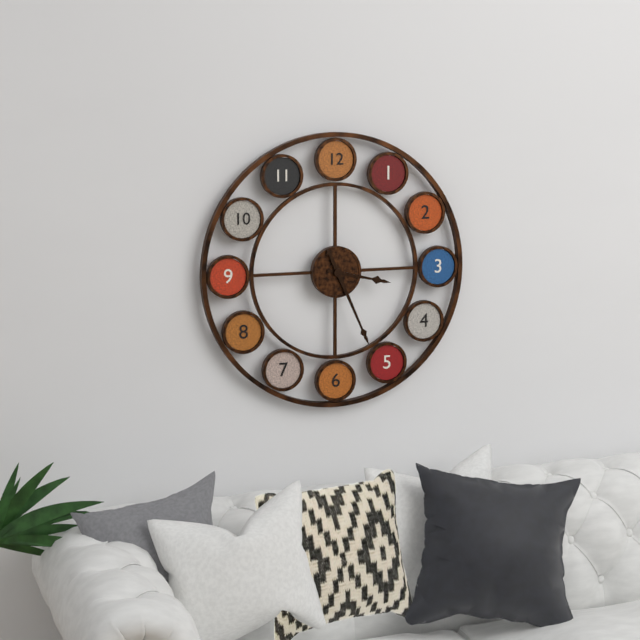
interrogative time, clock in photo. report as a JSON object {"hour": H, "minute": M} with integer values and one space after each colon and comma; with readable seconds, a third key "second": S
{"hour": 3, "minute": 26}
